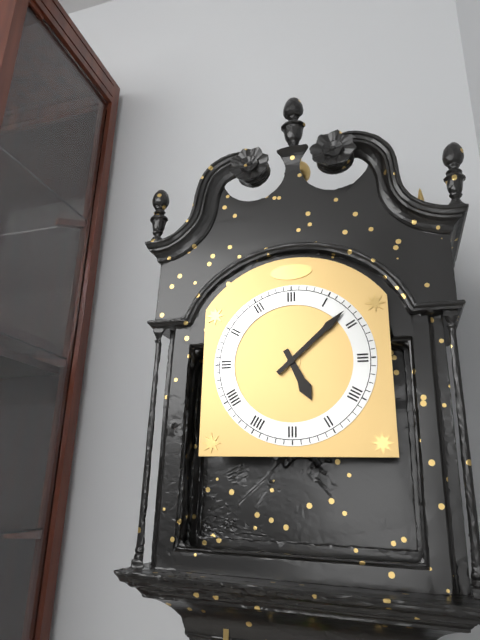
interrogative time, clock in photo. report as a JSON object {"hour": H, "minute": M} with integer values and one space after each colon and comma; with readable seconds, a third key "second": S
{"hour": 5, "minute": 8}
